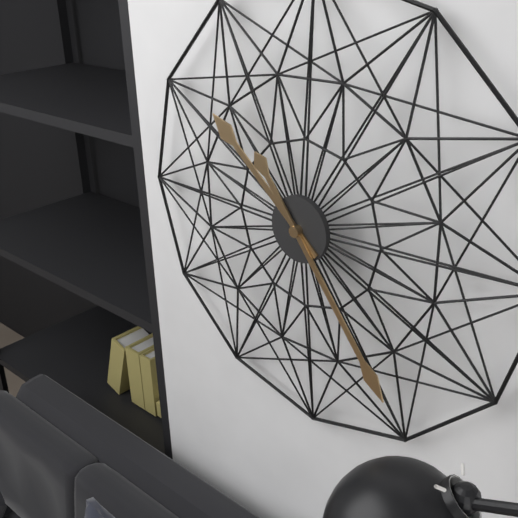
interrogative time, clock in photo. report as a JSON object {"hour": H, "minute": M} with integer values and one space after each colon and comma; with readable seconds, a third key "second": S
{"hour": 10, "minute": 24}
